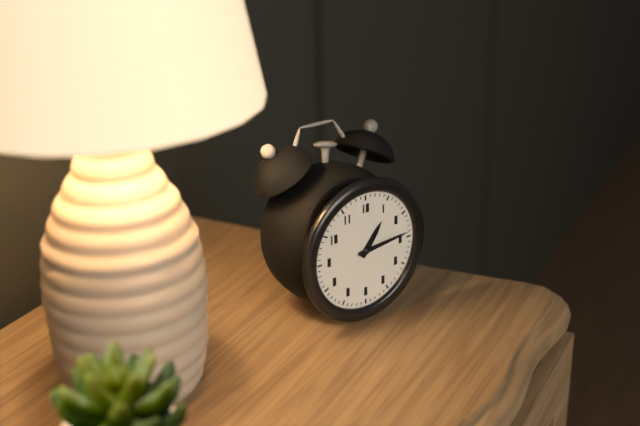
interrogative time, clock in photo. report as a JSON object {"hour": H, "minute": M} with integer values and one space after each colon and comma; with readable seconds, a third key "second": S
{"hour": 1, "minute": 14}
